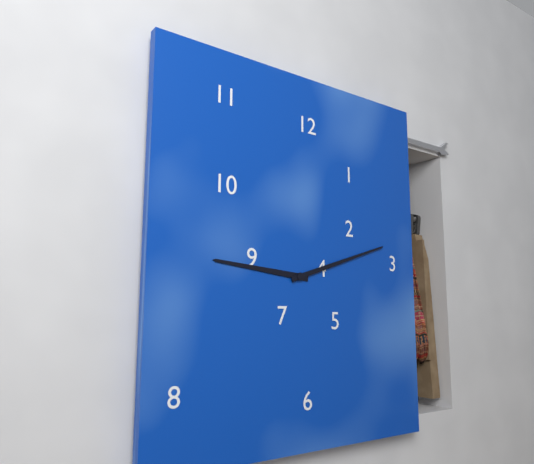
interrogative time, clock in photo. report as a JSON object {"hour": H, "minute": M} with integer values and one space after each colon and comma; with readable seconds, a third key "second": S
{"hour": 9, "minute": 12}
